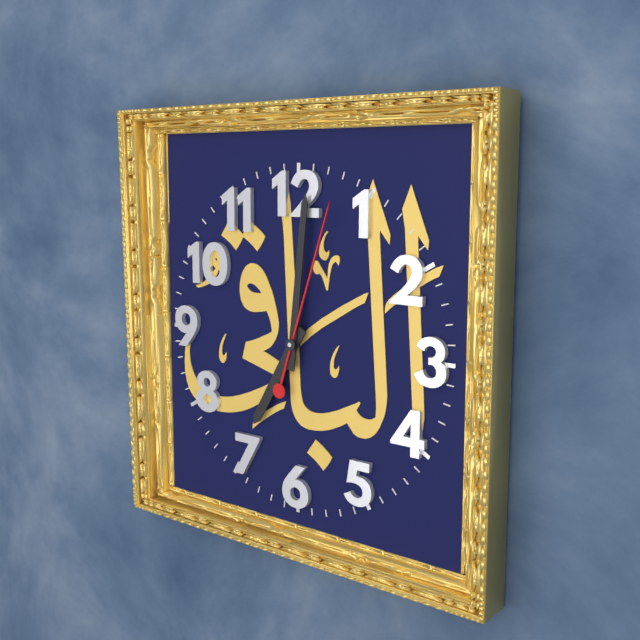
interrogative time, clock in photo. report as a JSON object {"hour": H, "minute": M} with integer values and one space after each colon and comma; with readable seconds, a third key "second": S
{"hour": 7, "minute": 1, "second": 3}
